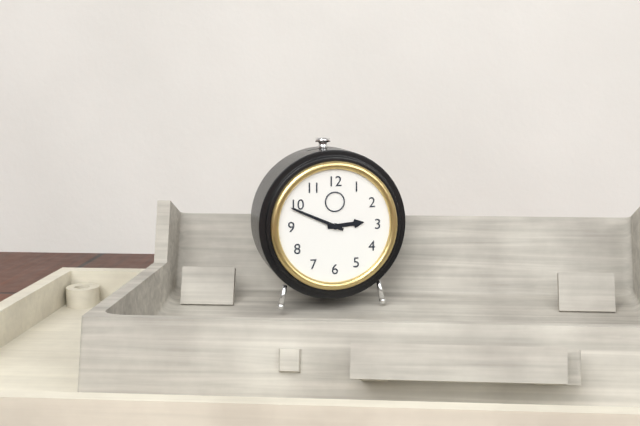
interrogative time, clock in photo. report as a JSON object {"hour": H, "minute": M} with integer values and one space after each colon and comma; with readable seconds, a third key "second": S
{"hour": 2, "minute": 49}
